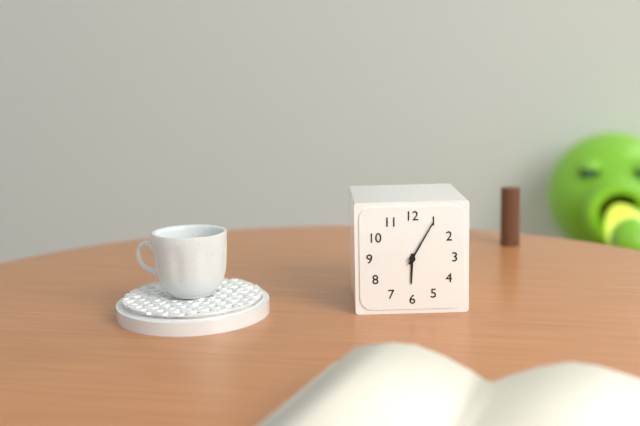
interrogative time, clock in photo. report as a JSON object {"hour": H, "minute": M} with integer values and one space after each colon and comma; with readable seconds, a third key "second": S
{"hour": 6, "minute": 5}
